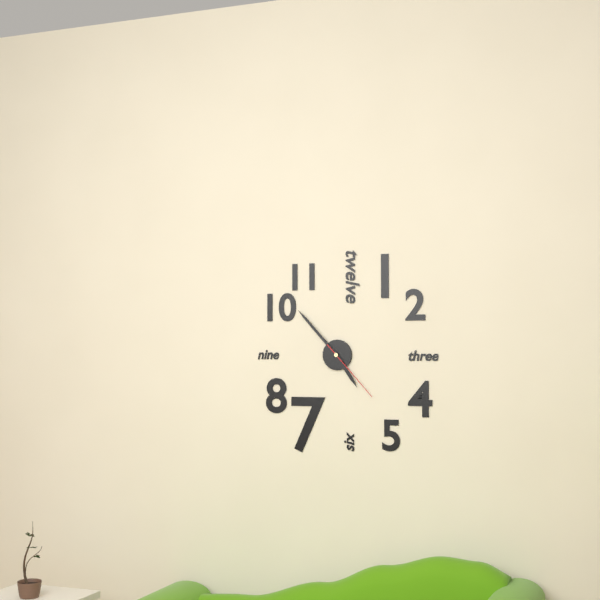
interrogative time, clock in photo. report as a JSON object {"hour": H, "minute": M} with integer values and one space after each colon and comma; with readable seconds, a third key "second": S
{"hour": 4, "minute": 53, "second": 23}
